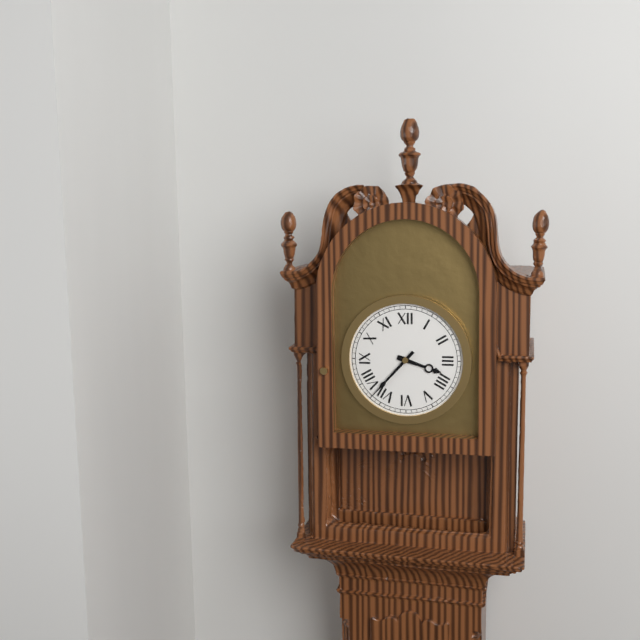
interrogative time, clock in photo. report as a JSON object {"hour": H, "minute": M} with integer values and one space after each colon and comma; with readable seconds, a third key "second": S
{"hour": 3, "minute": 37}
